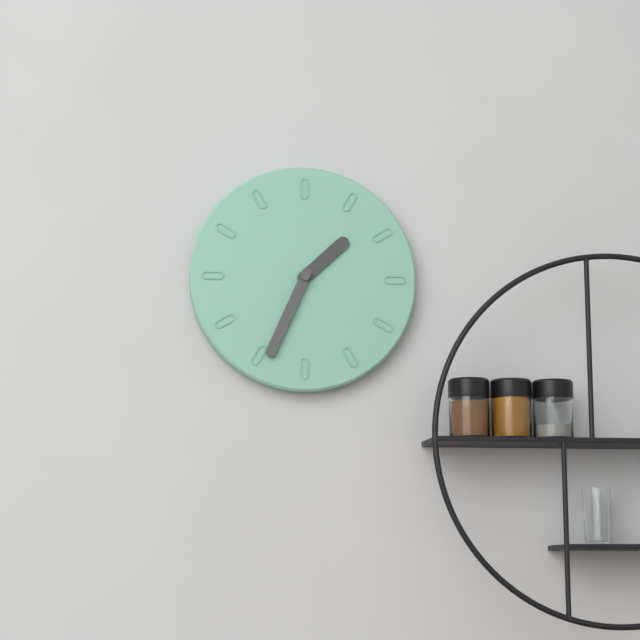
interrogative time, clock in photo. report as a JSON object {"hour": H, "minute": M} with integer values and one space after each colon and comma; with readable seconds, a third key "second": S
{"hour": 1, "minute": 34}
